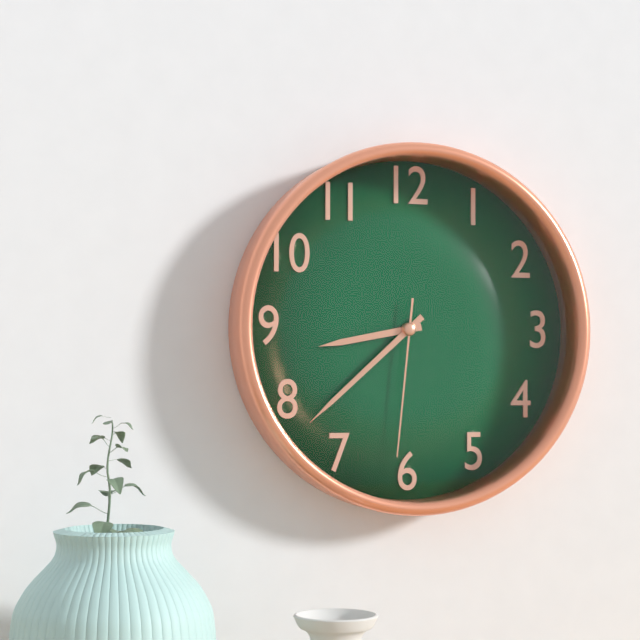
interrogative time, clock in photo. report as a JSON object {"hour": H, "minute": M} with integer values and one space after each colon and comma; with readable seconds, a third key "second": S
{"hour": 8, "minute": 38, "second": 31}
